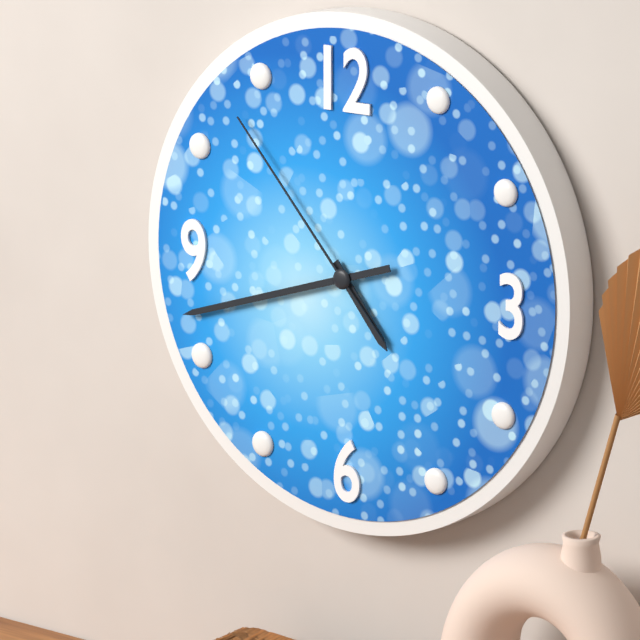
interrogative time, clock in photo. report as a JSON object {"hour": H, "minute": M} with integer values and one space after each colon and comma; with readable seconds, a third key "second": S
{"hour": 4, "minute": 42, "second": 53}
